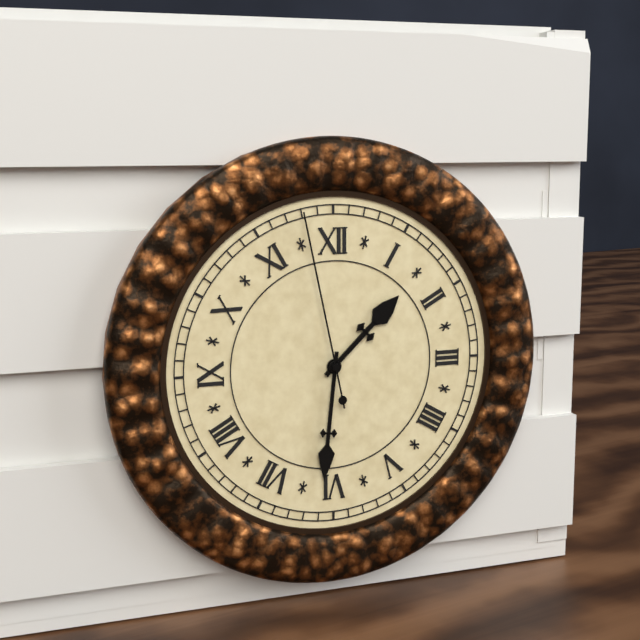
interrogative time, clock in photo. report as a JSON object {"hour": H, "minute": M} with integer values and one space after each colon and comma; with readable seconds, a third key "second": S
{"hour": 1, "minute": 31, "second": 58}
